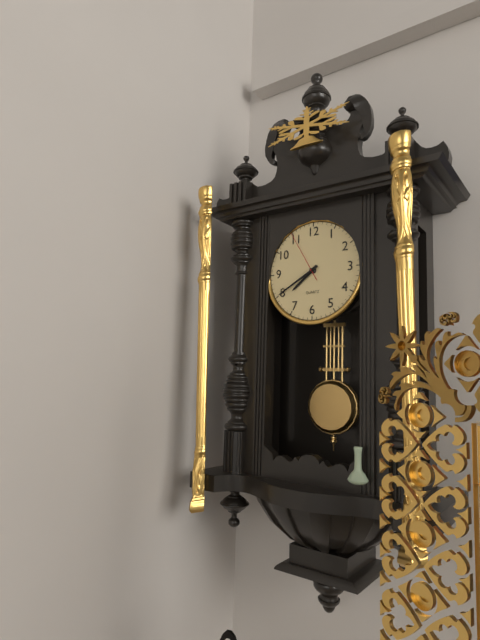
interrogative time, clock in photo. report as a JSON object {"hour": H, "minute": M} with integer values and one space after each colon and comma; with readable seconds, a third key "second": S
{"hour": 7, "minute": 40, "second": 55}
